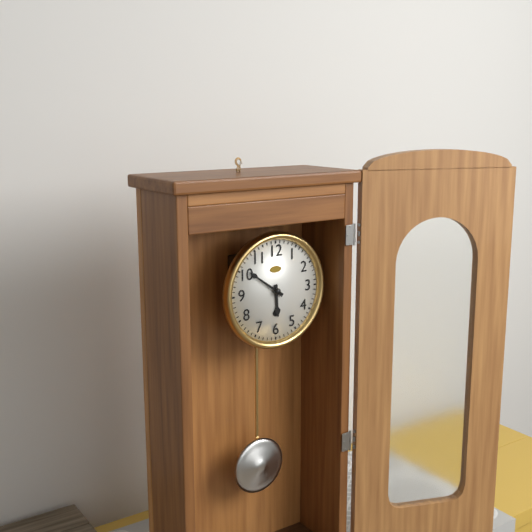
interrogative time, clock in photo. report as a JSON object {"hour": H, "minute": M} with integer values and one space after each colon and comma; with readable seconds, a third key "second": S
{"hour": 5, "minute": 51}
